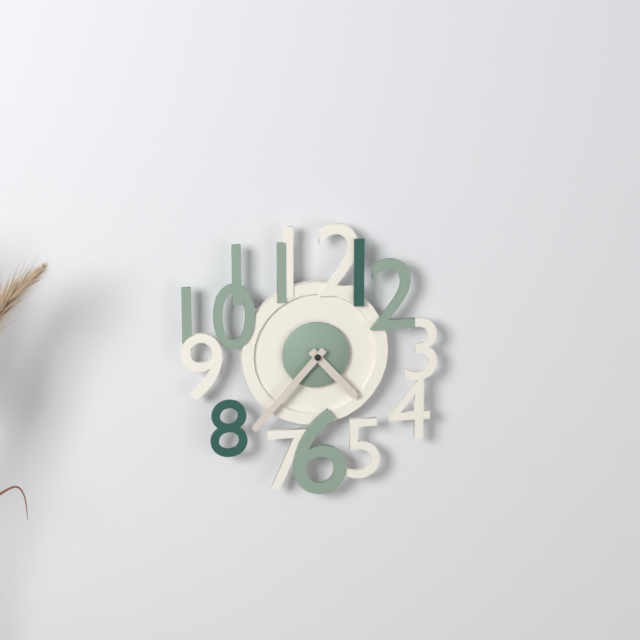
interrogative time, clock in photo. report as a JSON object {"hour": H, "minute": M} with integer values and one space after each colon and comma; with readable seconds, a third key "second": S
{"hour": 4, "minute": 37}
